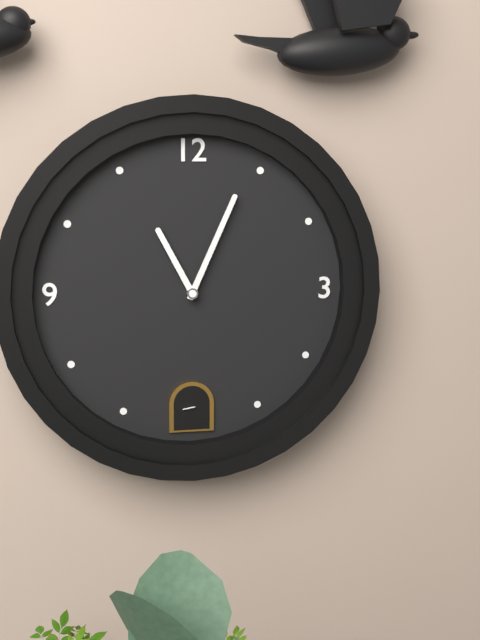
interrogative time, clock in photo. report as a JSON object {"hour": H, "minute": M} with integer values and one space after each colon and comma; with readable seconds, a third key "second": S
{"hour": 11, "minute": 4}
